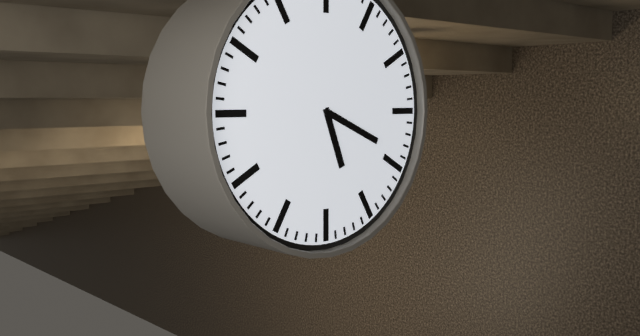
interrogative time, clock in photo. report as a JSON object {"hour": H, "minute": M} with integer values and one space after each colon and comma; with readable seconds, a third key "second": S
{"hour": 5, "minute": 19}
